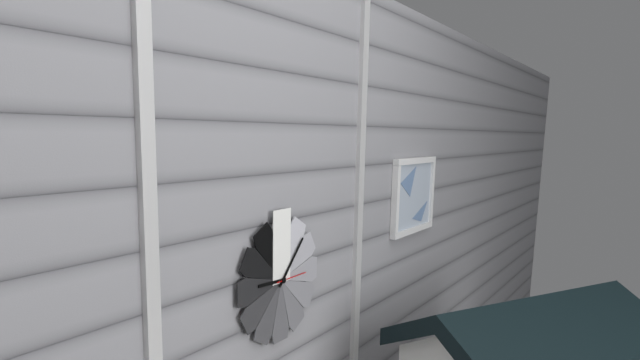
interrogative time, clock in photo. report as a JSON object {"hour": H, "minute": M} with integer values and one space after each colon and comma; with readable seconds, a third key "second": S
{"hour": 9, "minute": 7}
